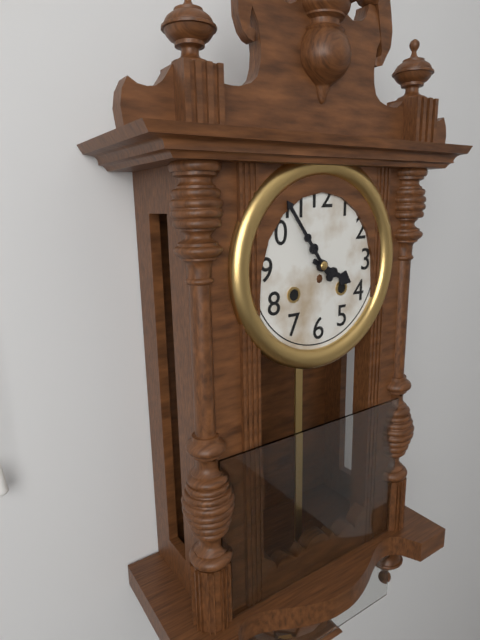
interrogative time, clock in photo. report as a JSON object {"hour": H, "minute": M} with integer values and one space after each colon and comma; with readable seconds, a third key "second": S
{"hour": 3, "minute": 54}
